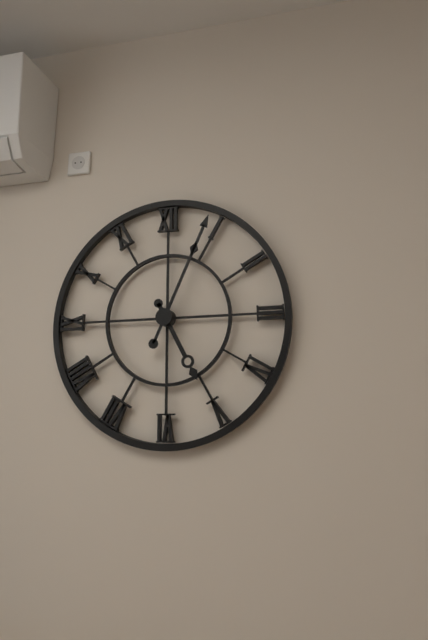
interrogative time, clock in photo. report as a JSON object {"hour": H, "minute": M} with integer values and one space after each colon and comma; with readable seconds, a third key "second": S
{"hour": 5, "minute": 4}
